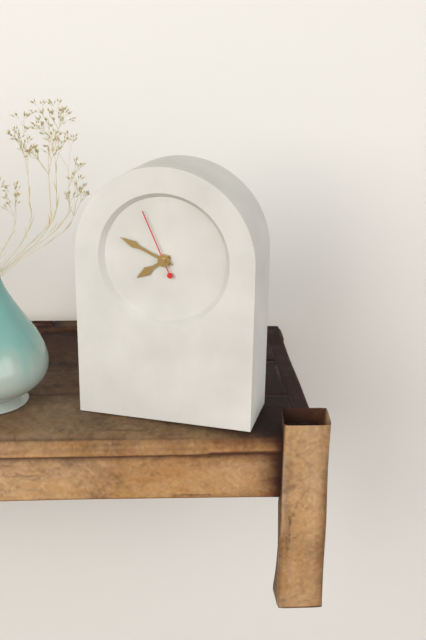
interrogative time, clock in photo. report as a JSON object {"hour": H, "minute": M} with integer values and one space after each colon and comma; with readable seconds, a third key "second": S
{"hour": 7, "minute": 49, "second": 56}
